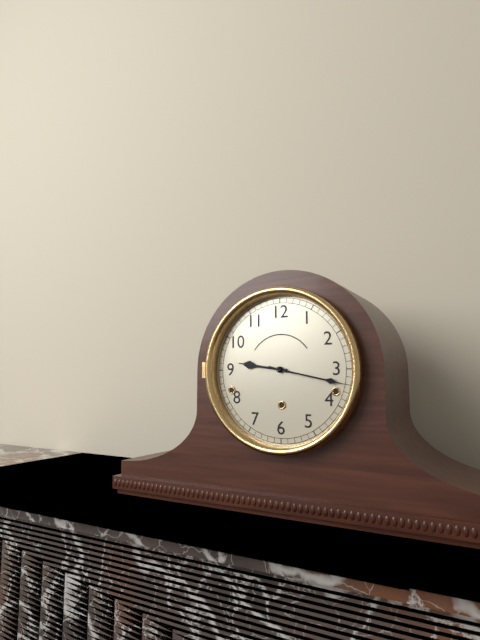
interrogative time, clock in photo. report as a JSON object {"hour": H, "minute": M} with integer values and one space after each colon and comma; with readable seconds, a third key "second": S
{"hour": 9, "minute": 17}
